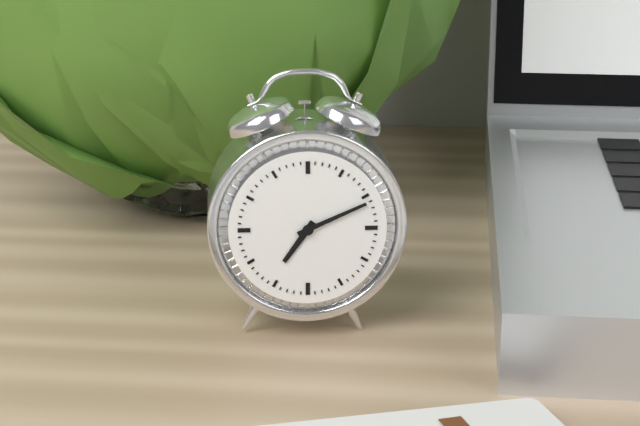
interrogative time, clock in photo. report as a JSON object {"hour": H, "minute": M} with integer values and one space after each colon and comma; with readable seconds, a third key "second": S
{"hour": 7, "minute": 11}
